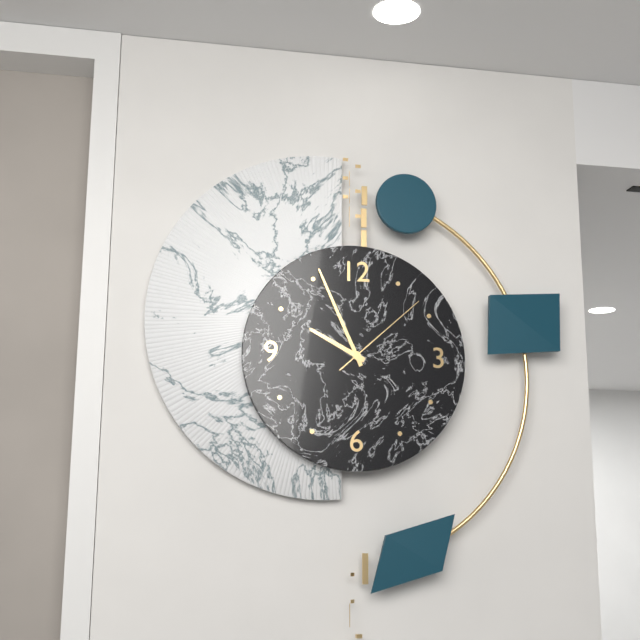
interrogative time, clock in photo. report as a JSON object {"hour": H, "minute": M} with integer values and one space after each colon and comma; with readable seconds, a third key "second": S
{"hour": 9, "minute": 56, "second": 8}
